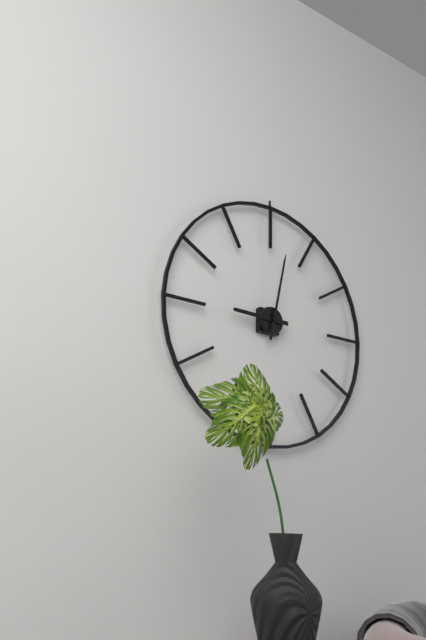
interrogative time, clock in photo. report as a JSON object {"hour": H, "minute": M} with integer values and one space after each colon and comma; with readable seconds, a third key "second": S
{"hour": 9, "minute": 2}
